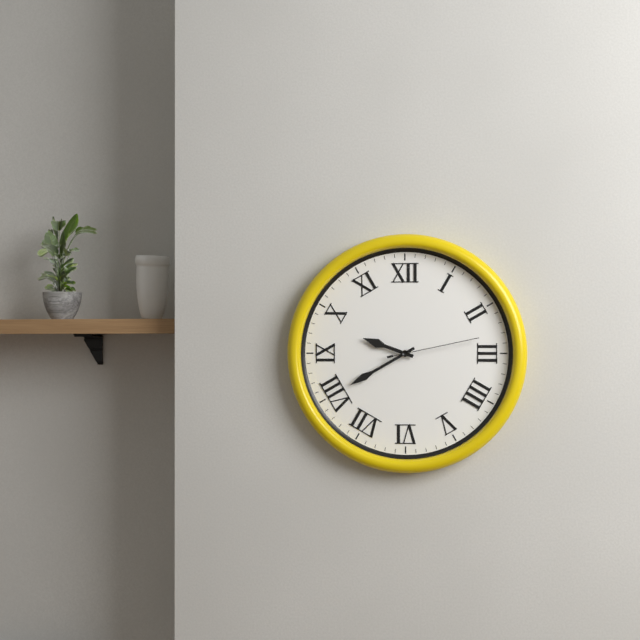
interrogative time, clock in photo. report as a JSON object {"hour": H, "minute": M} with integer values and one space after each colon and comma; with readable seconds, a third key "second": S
{"hour": 9, "minute": 40, "second": 13}
